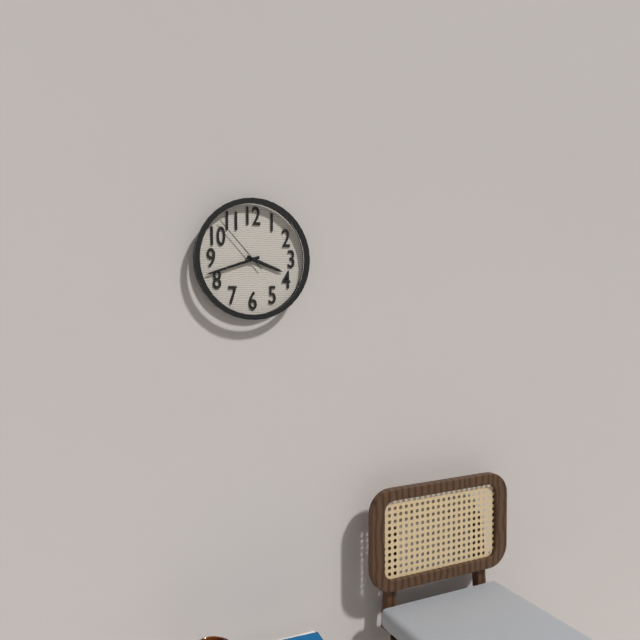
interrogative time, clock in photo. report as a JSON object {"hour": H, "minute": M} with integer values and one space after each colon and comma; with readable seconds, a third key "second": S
{"hour": 3, "minute": 42, "second": 53}
